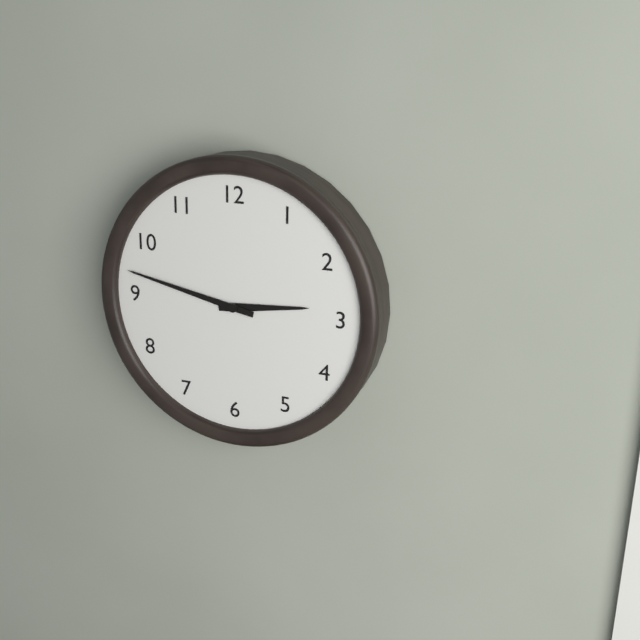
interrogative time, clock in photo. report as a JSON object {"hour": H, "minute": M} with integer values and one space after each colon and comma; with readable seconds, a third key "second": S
{"hour": 2, "minute": 47}
